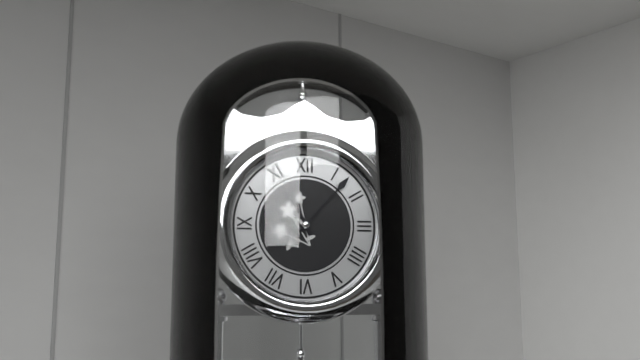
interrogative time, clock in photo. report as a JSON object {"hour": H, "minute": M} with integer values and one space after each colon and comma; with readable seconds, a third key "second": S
{"hour": 11, "minute": 7}
